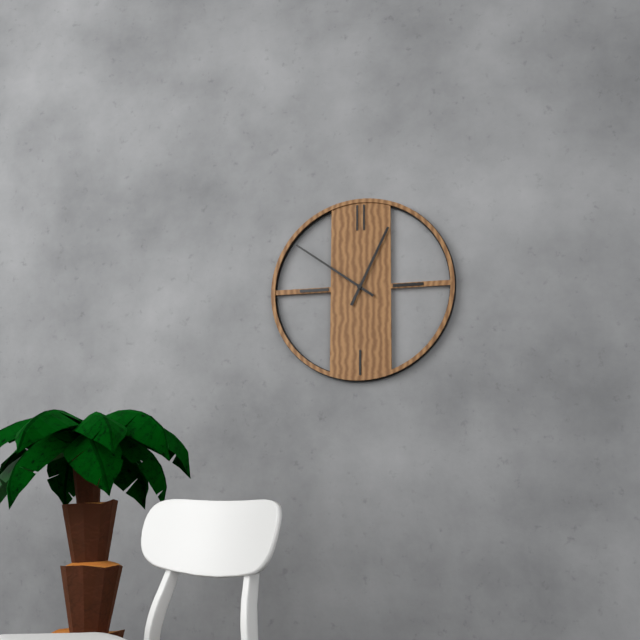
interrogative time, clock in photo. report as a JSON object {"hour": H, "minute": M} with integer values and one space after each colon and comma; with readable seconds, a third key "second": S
{"hour": 12, "minute": 51}
